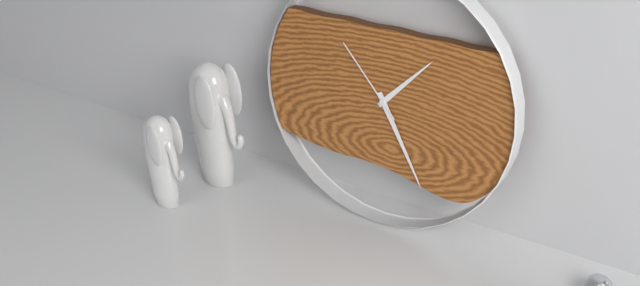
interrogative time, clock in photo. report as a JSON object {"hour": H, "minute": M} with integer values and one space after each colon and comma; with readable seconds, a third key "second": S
{"hour": 1, "minute": 25, "second": 53}
